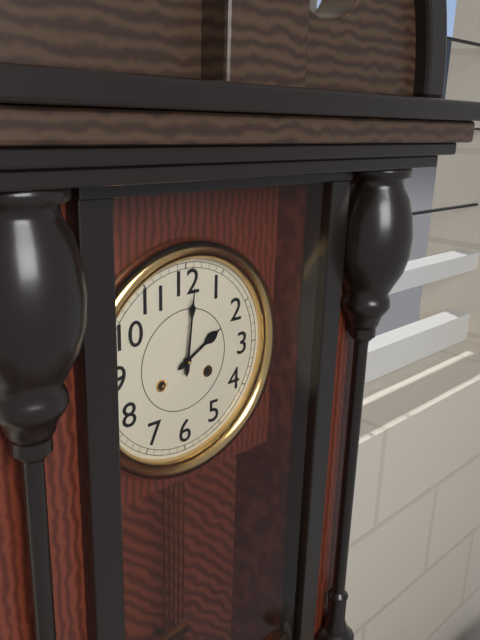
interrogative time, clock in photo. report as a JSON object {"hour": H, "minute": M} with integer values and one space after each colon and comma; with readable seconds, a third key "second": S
{"hour": 2, "minute": 1}
